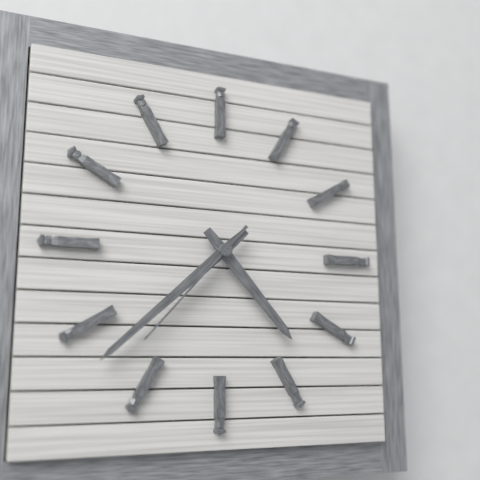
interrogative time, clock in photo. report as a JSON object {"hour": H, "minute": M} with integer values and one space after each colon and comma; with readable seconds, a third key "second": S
{"hour": 4, "minute": 38, "second": 37}
